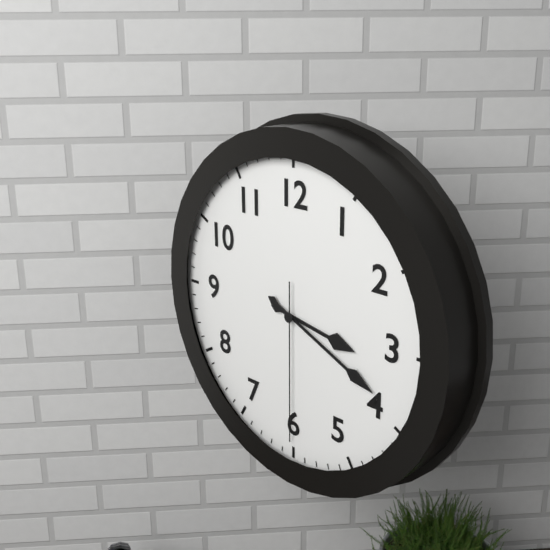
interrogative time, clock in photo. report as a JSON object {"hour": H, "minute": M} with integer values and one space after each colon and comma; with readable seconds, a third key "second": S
{"hour": 3, "minute": 19, "second": 30}
